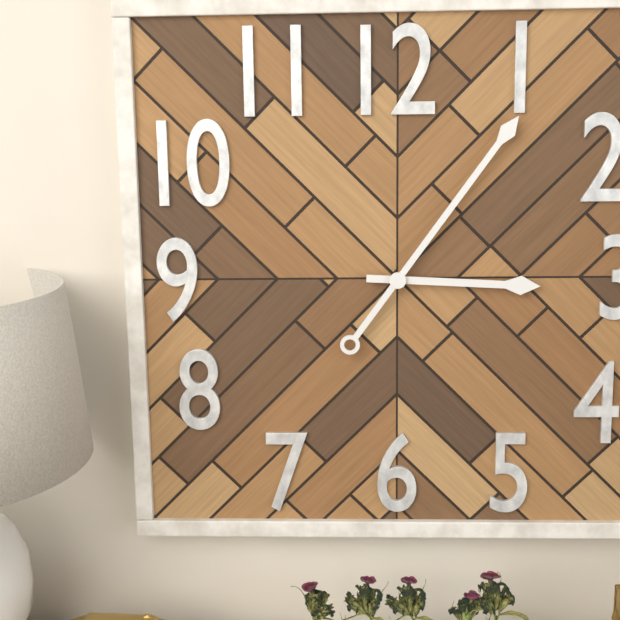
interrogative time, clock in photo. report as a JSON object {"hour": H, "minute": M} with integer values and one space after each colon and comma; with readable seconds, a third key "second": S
{"hour": 3, "minute": 6}
